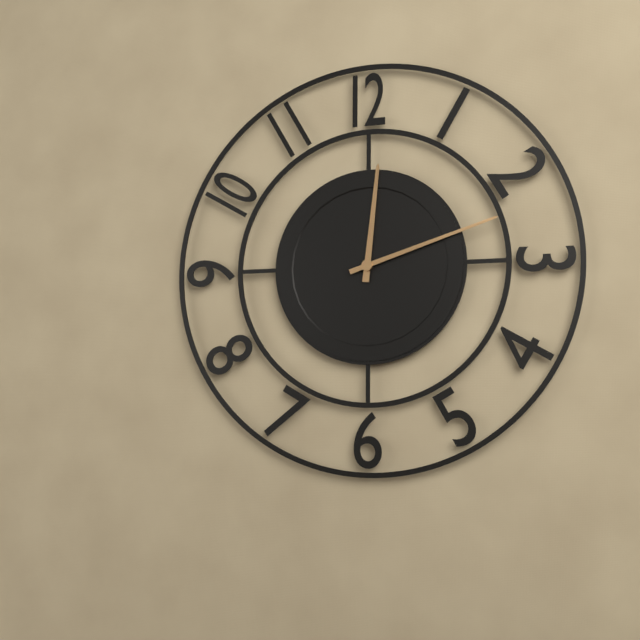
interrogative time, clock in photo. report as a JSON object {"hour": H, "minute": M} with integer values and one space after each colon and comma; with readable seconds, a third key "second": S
{"hour": 12, "minute": 12}
